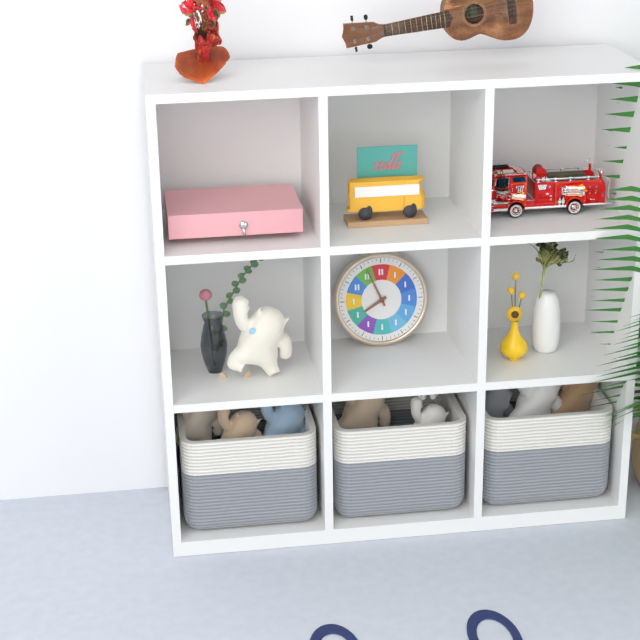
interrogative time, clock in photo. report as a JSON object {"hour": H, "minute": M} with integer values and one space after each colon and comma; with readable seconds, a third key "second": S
{"hour": 7, "minute": 56}
